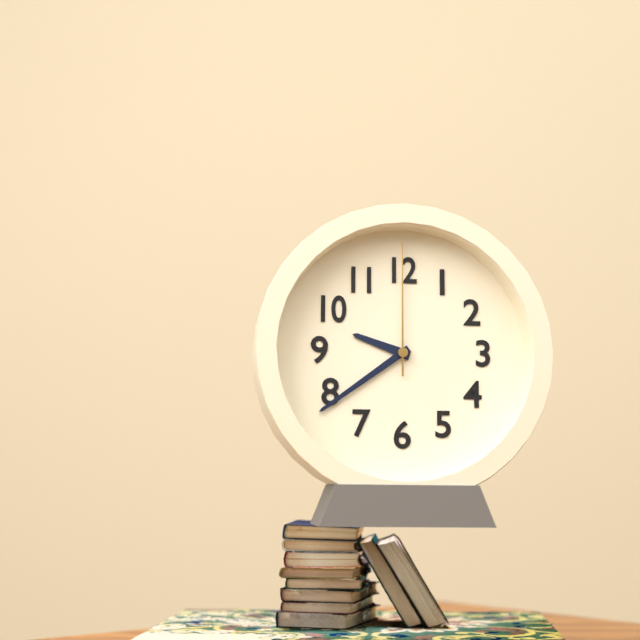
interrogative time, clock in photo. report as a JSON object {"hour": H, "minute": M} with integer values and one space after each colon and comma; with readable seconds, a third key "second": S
{"hour": 9, "minute": 39, "second": 0}
